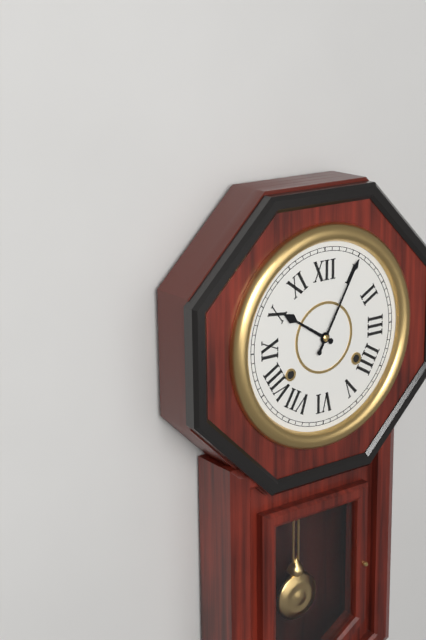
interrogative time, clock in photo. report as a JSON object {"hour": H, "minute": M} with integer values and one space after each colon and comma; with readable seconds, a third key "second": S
{"hour": 10, "minute": 5}
